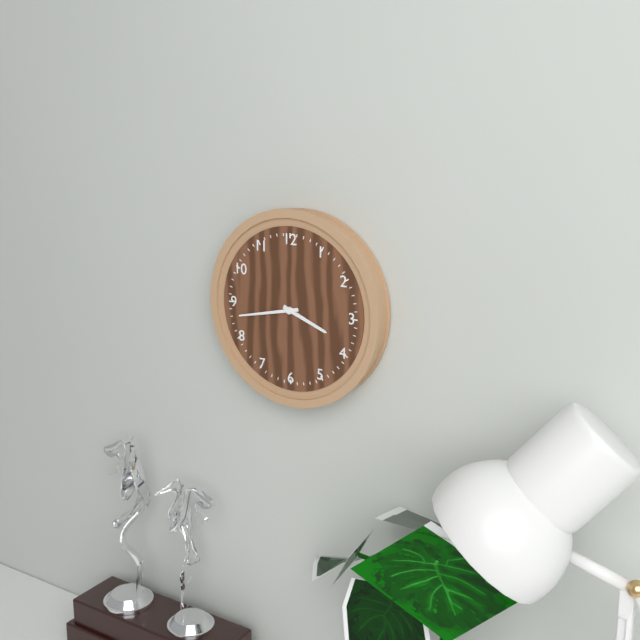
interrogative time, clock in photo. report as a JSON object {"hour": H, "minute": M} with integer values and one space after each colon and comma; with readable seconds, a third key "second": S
{"hour": 3, "minute": 43}
